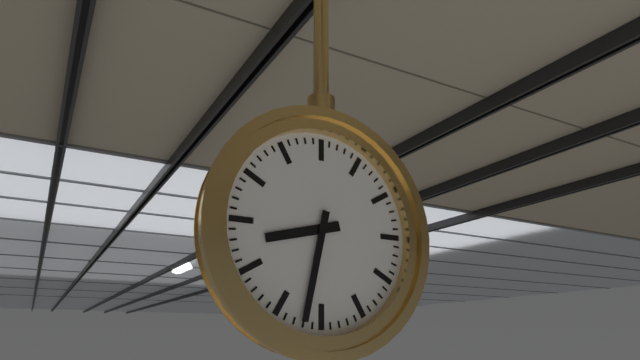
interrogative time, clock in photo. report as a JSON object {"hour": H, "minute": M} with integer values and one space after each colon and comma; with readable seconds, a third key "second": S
{"hour": 8, "minute": 32}
